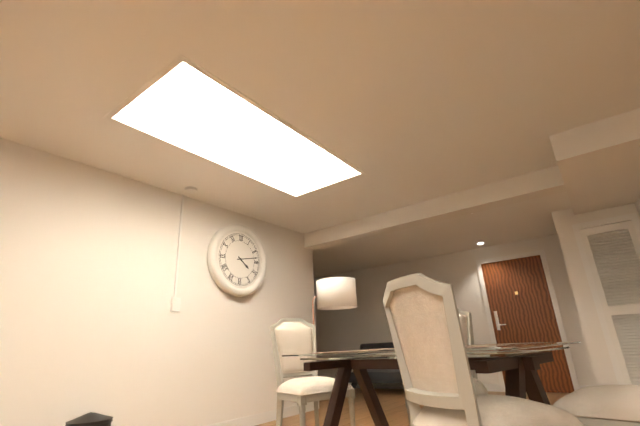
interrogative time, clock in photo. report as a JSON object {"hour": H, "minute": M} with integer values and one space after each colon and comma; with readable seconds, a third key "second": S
{"hour": 4, "minute": 13}
